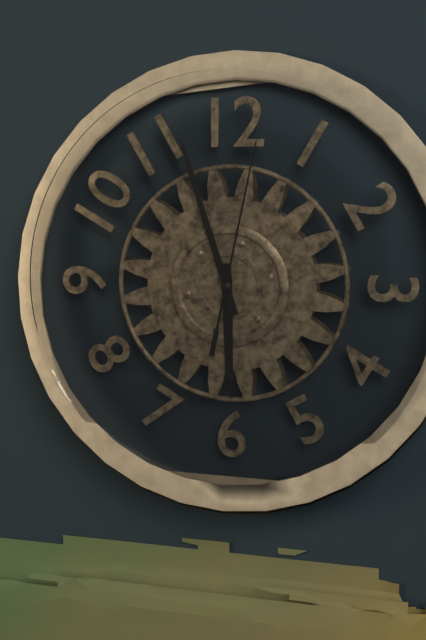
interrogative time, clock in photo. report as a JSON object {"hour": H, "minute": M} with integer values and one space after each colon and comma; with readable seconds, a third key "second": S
{"hour": 5, "minute": 57, "second": 2}
